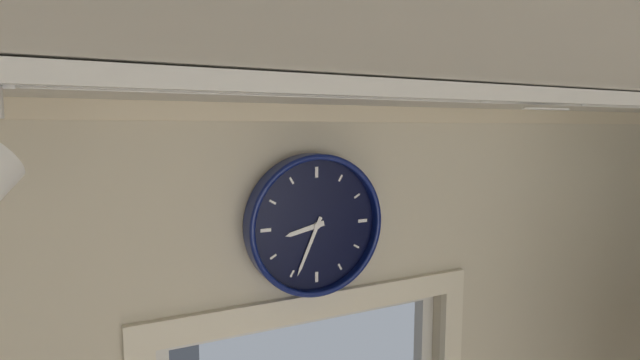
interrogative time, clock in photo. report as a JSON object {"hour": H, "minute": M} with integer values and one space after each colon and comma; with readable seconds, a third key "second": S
{"hour": 8, "minute": 34}
